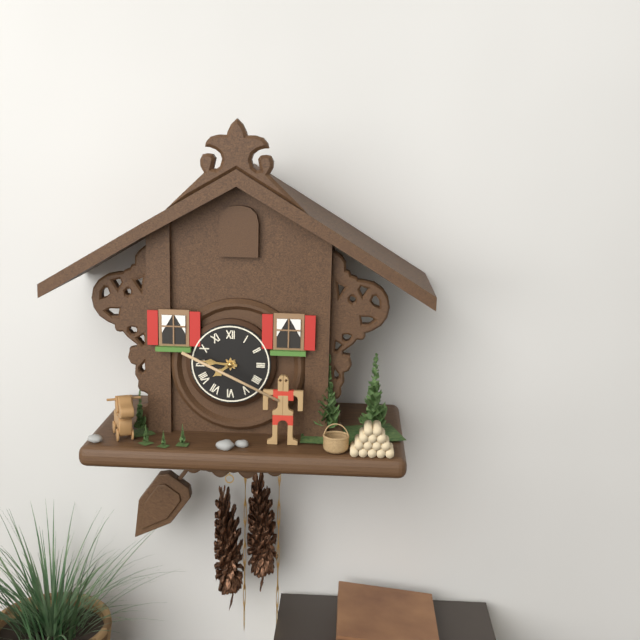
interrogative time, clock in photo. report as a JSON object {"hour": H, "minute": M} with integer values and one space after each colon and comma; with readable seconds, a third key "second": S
{"hour": 7, "minute": 46}
